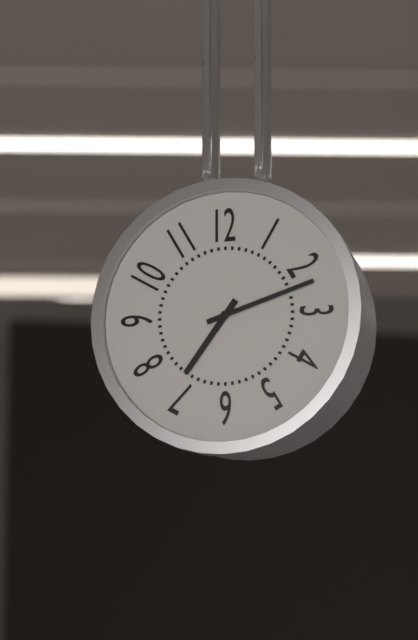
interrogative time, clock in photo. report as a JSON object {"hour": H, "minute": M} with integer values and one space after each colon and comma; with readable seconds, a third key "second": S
{"hour": 7, "minute": 12}
